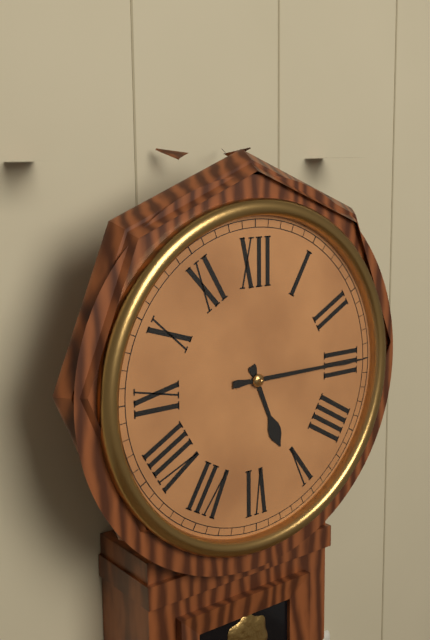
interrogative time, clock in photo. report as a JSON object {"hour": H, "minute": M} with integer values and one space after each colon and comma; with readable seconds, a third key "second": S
{"hour": 5, "minute": 15}
